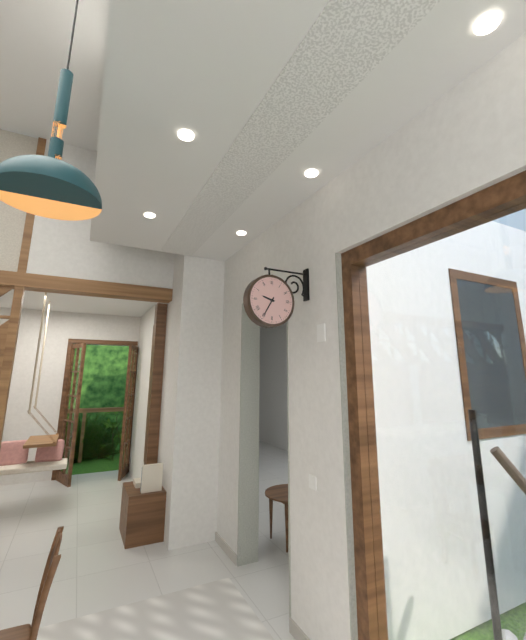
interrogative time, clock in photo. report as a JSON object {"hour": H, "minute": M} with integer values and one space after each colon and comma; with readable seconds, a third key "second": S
{"hour": 9, "minute": 35}
